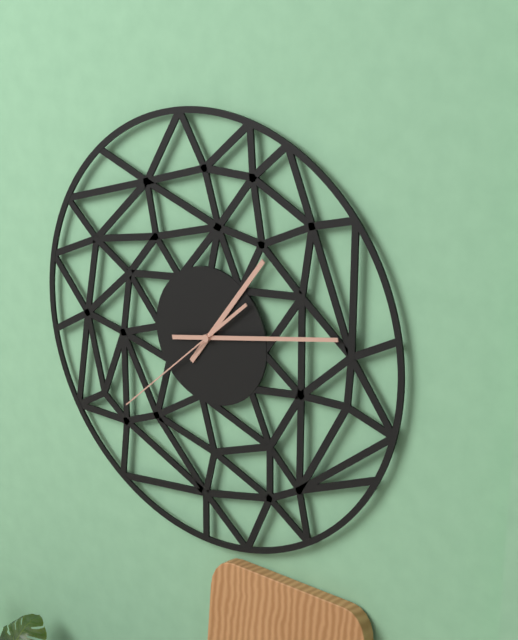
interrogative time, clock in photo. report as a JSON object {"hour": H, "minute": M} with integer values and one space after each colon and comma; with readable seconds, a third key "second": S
{"hour": 1, "minute": 13, "second": 38}
